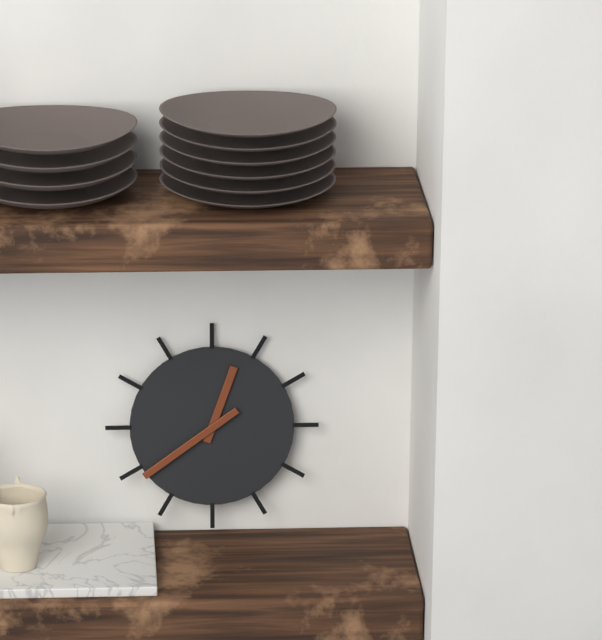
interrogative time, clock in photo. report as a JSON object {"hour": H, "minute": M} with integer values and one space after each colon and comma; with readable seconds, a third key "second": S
{"hour": 12, "minute": 39}
